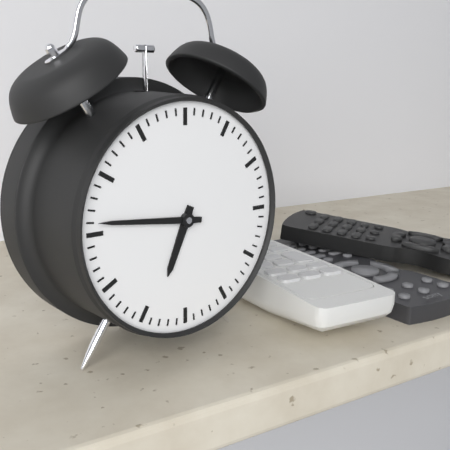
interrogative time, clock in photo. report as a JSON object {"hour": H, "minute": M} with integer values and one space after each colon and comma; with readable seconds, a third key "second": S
{"hour": 6, "minute": 46}
